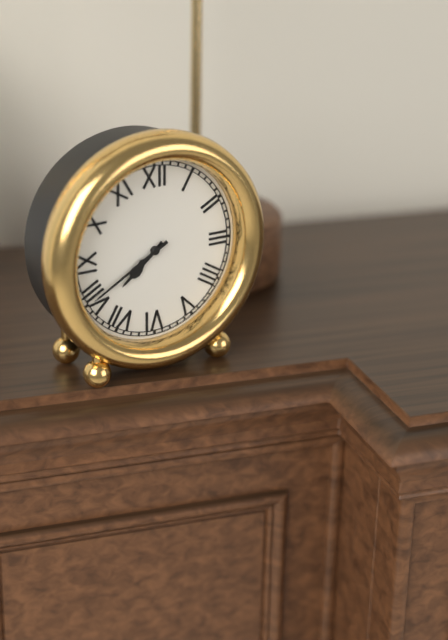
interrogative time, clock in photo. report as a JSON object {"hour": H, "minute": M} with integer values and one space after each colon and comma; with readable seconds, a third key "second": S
{"hour": 7, "minute": 40}
